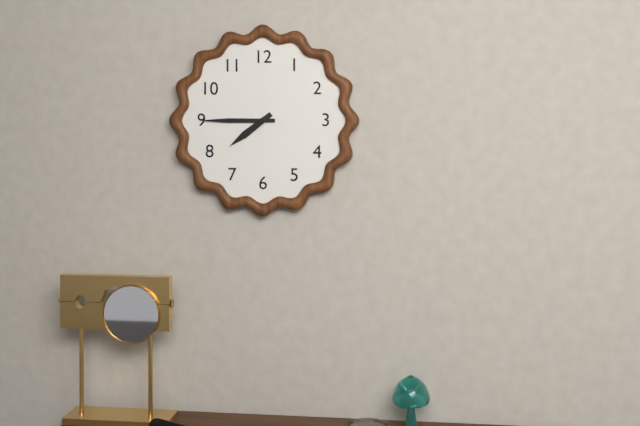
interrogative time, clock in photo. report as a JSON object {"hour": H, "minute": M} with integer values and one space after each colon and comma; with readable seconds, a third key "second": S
{"hour": 7, "minute": 45}
